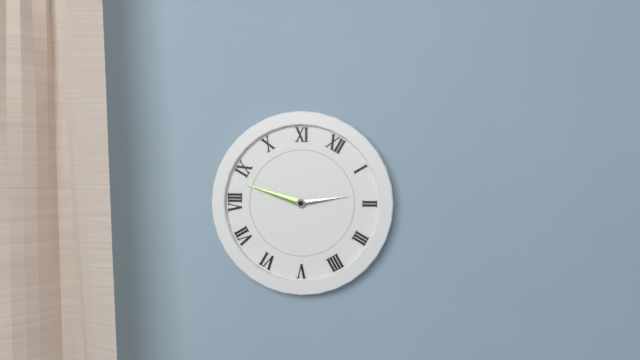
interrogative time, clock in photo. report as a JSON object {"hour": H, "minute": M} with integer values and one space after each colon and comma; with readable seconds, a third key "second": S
{"hour": 1, "minute": 43}
